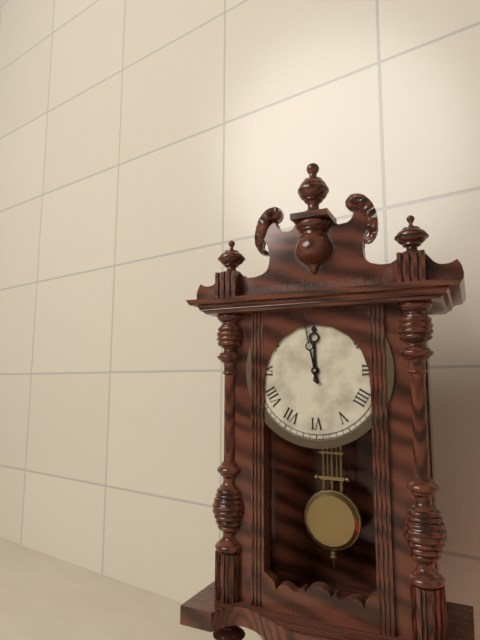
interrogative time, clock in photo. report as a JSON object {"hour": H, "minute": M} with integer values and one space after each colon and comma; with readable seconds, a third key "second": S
{"hour": 11, "minute": 58}
